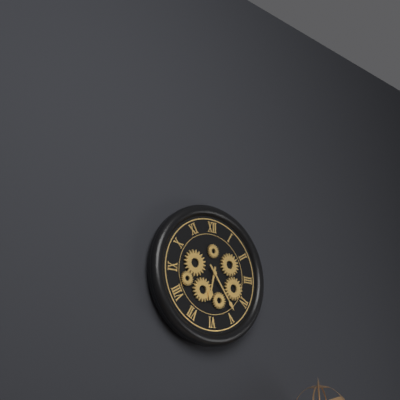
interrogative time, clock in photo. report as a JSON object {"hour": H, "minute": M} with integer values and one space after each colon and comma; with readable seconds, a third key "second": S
{"hour": 6, "minute": 24}
